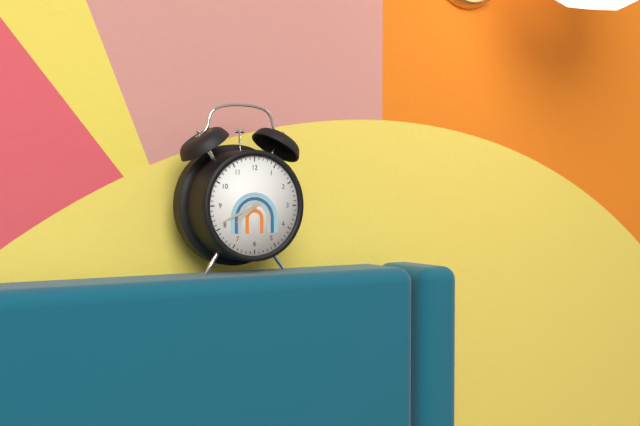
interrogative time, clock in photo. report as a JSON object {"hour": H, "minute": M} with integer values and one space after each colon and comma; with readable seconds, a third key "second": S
{"hour": 7, "minute": 41}
